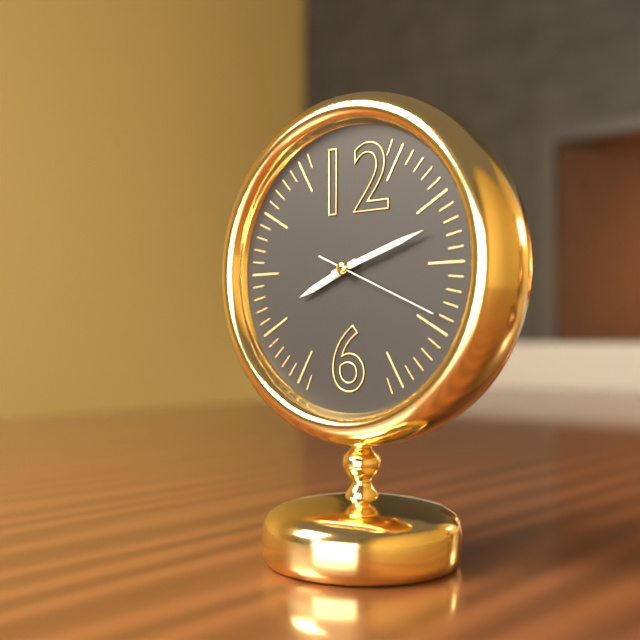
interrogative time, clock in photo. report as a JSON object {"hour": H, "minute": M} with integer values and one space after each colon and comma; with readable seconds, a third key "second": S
{"hour": 8, "minute": 12, "second": 19}
